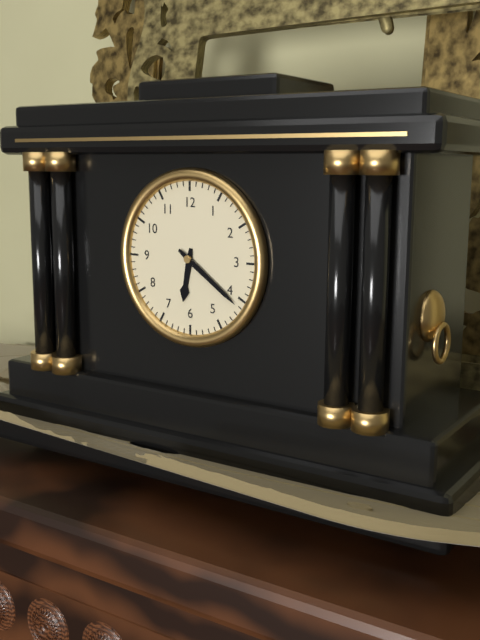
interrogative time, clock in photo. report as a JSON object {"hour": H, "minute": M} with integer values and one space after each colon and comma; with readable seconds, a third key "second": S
{"hour": 6, "minute": 21}
